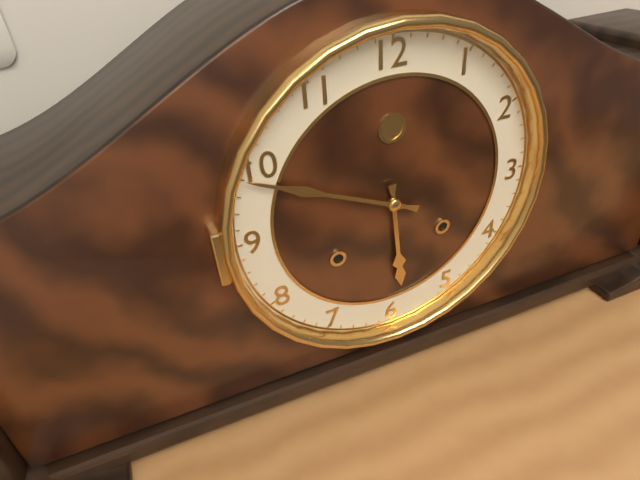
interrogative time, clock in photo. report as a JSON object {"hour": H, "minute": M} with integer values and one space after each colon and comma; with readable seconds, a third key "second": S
{"hour": 5, "minute": 49}
